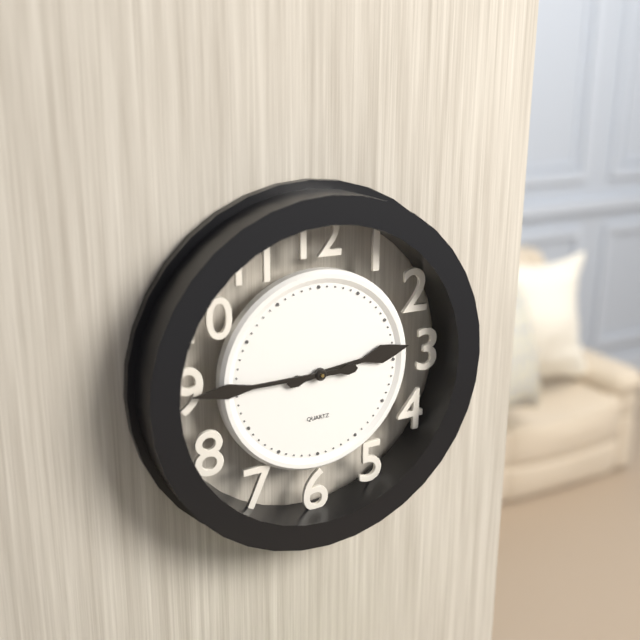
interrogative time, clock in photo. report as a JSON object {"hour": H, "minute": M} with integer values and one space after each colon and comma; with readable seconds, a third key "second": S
{"hour": 2, "minute": 45}
